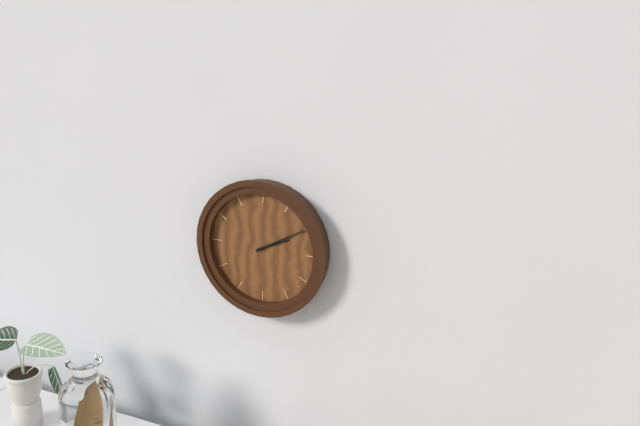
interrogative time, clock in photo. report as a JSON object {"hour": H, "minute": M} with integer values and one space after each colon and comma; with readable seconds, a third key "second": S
{"hour": 2, "minute": 10}
